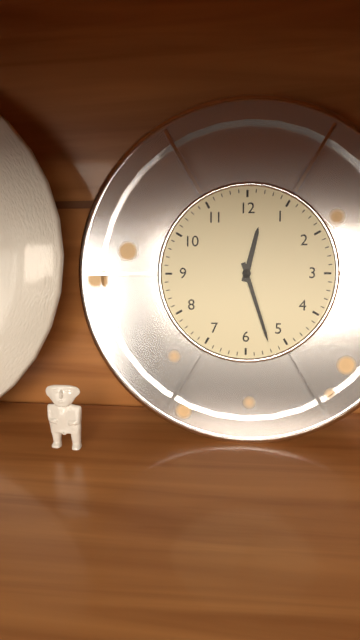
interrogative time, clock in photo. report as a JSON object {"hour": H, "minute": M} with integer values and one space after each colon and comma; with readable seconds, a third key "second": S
{"hour": 12, "minute": 27}
